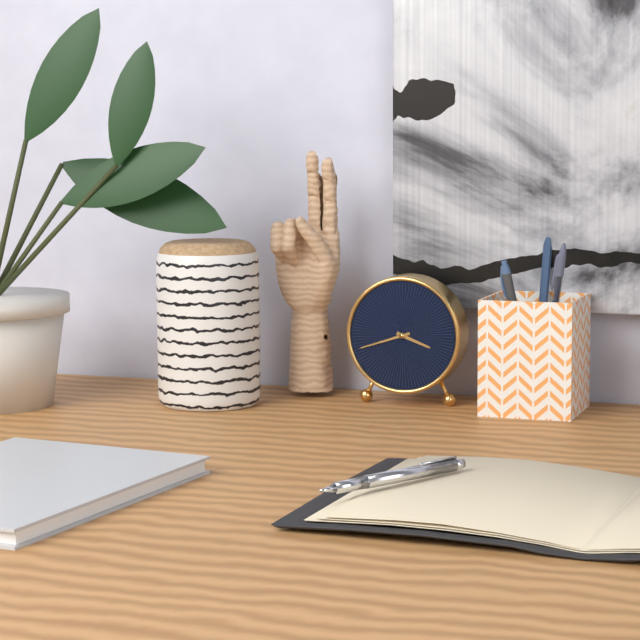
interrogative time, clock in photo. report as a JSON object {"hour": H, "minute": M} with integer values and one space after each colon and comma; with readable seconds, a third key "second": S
{"hour": 3, "minute": 42}
